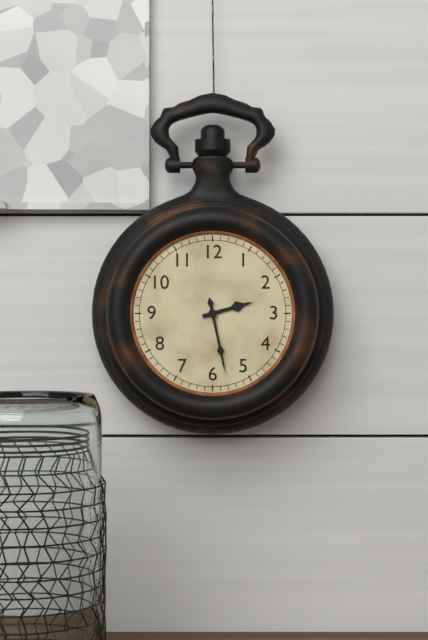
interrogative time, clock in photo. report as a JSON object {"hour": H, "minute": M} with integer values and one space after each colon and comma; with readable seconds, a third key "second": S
{"hour": 2, "minute": 28}
